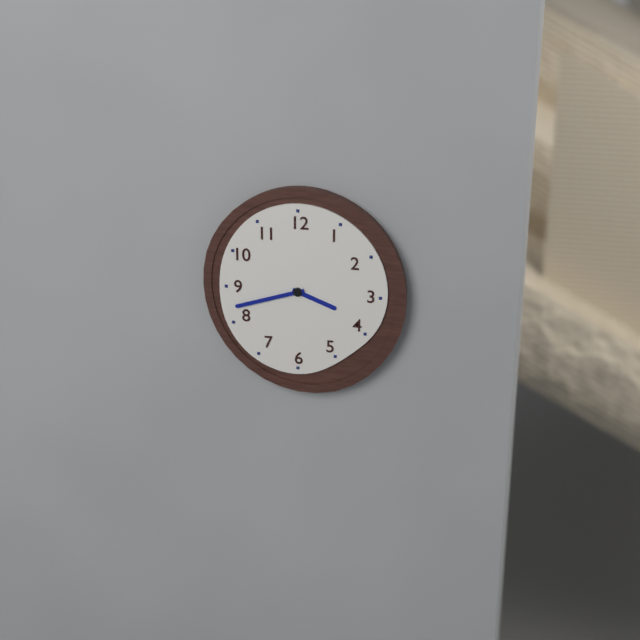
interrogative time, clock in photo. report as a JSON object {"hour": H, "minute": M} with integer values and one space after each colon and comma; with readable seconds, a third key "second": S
{"hour": 3, "minute": 42}
